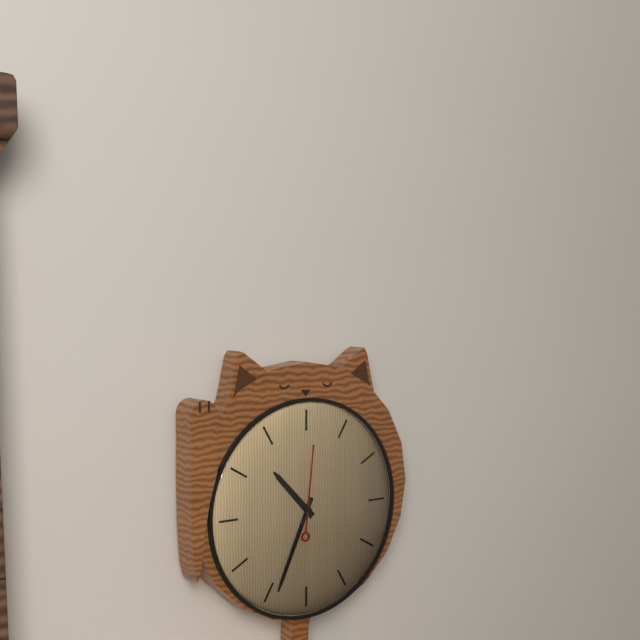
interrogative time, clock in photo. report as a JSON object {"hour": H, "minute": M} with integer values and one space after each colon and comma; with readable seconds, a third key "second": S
{"hour": 10, "minute": 34, "second": 1}
